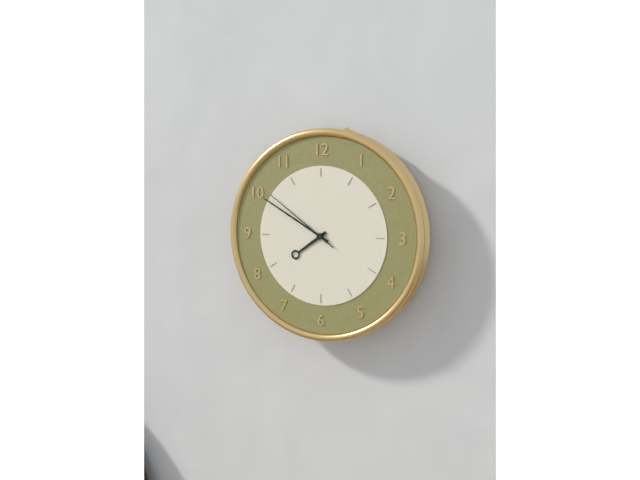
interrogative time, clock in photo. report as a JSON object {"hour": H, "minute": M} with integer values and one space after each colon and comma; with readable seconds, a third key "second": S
{"hour": 7, "minute": 50, "second": 51}
